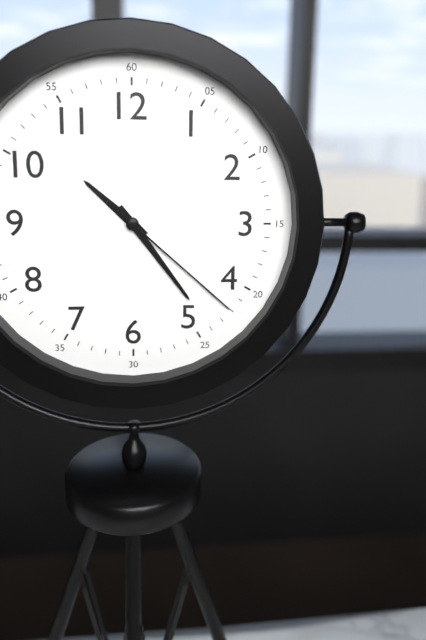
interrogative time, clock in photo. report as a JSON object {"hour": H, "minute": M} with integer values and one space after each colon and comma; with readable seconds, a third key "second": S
{"hour": 10, "minute": 24, "second": 22}
